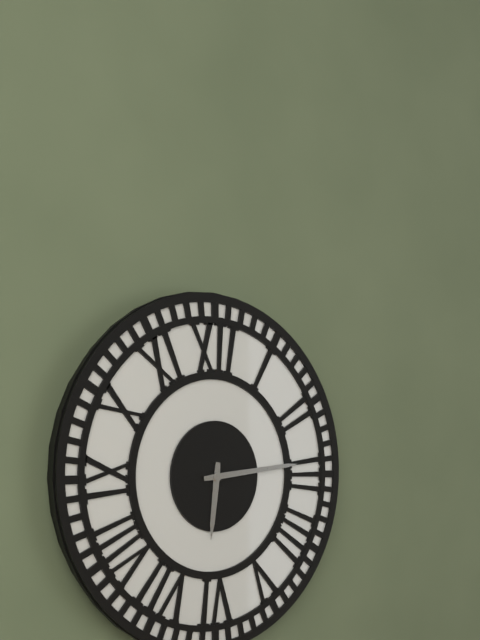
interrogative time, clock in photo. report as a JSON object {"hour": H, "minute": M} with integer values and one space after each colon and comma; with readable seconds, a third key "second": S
{"hour": 6, "minute": 14}
